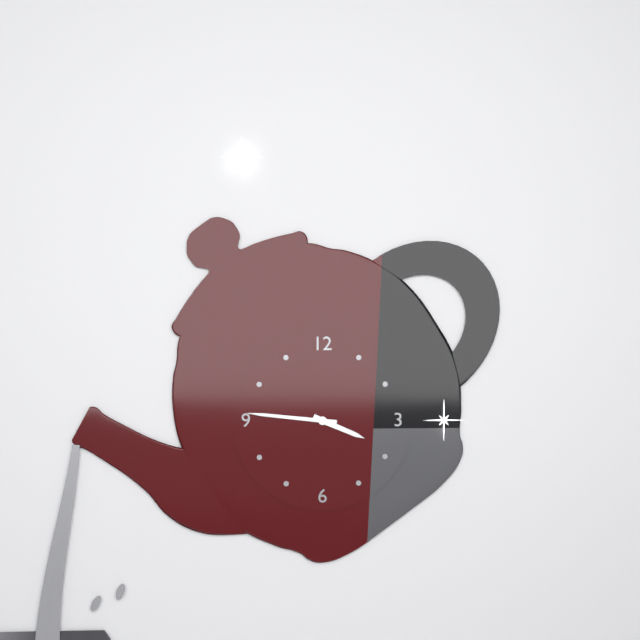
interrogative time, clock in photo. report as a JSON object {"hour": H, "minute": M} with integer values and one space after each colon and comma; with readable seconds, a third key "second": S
{"hour": 3, "minute": 46}
